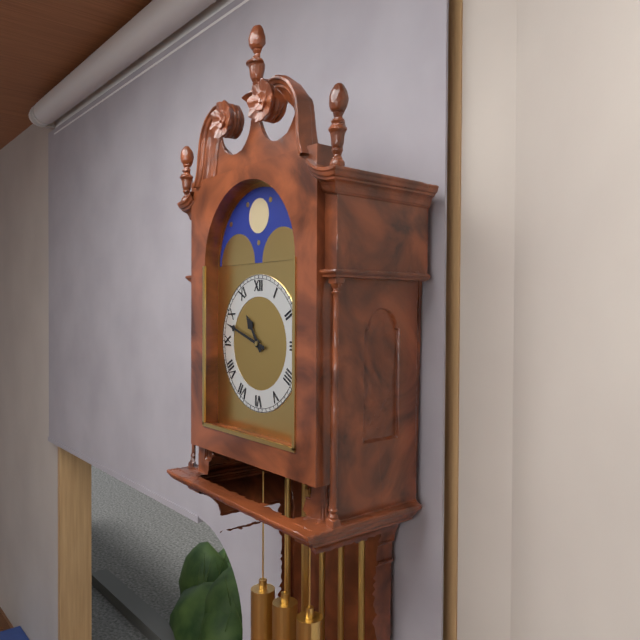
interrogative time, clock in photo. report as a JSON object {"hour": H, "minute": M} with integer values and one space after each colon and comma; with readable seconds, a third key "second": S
{"hour": 10, "minute": 48}
